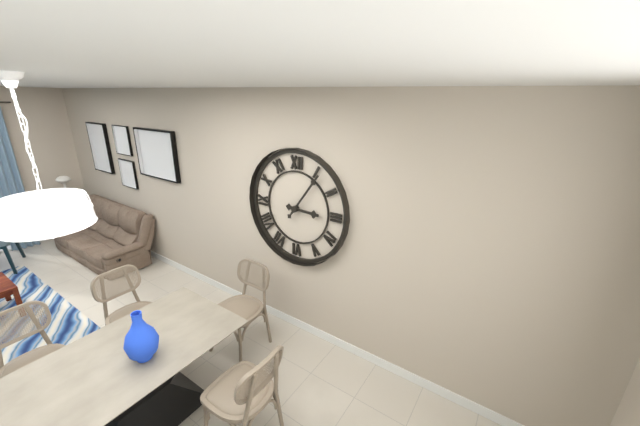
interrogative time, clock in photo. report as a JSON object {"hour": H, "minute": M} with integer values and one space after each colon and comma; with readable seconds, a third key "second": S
{"hour": 3, "minute": 6}
